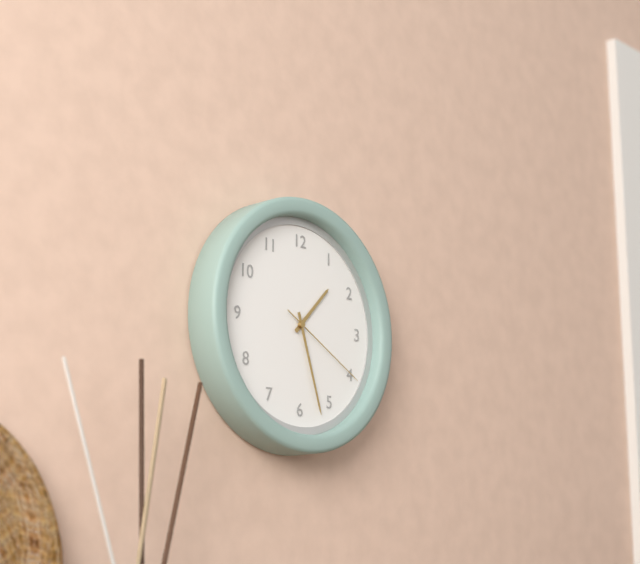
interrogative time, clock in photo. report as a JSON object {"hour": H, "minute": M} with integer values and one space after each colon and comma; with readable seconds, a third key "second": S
{"hour": 1, "minute": 27, "second": 20}
